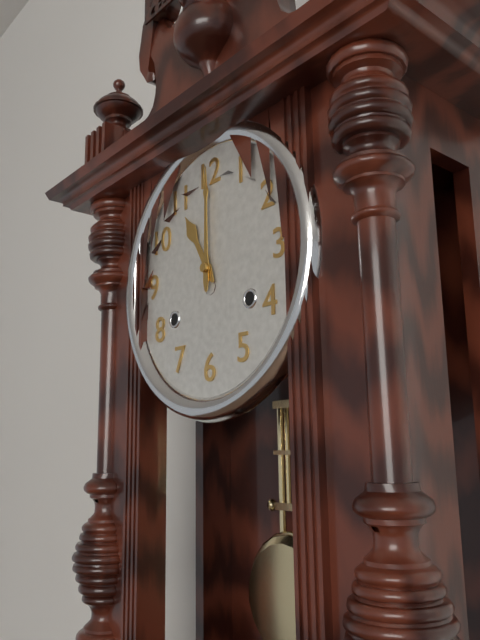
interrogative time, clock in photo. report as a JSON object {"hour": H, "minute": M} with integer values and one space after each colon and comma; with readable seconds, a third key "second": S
{"hour": 11, "minute": 0}
